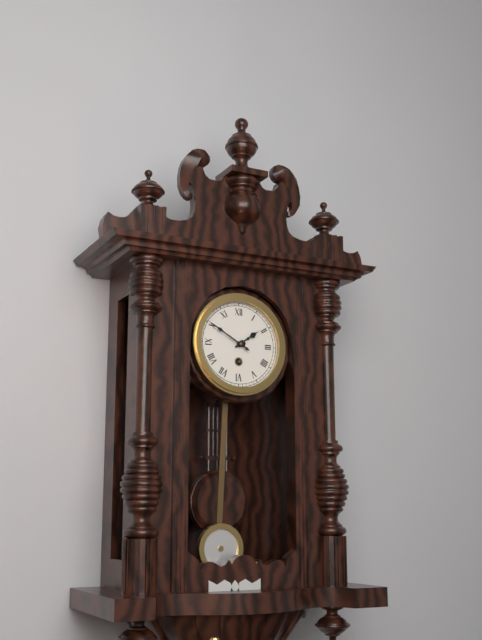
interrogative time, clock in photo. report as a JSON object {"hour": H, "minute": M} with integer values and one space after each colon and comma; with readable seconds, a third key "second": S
{"hour": 1, "minute": 50}
